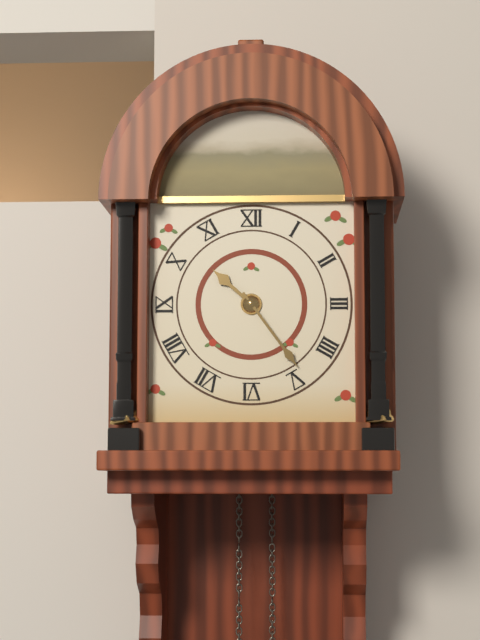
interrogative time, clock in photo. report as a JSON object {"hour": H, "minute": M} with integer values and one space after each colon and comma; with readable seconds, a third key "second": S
{"hour": 10, "minute": 24}
